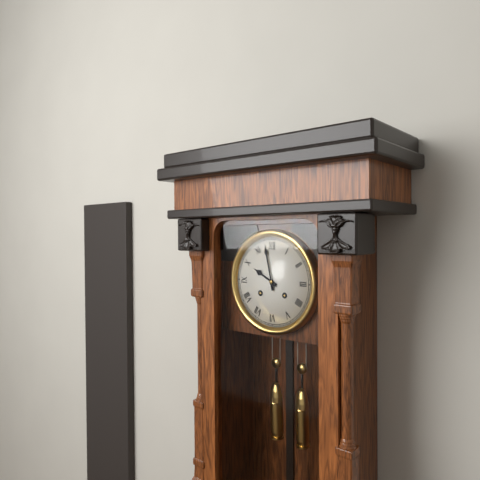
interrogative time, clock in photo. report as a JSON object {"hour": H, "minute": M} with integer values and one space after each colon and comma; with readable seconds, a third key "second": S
{"hour": 9, "minute": 58}
